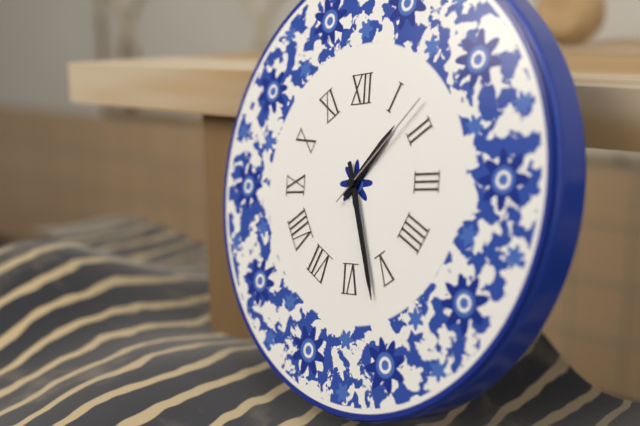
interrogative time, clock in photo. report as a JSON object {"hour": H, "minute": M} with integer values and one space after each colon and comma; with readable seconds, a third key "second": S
{"hour": 1, "minute": 27, "second": 8}
